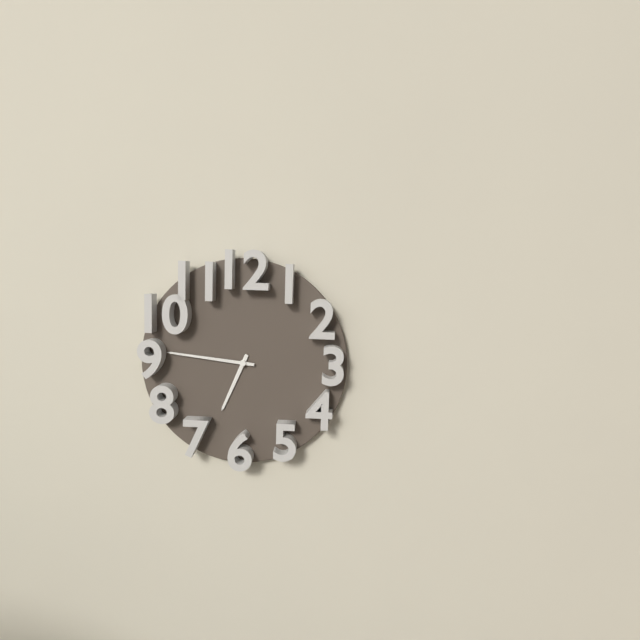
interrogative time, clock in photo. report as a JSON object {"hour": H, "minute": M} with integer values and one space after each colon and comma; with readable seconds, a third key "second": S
{"hour": 6, "minute": 46}
